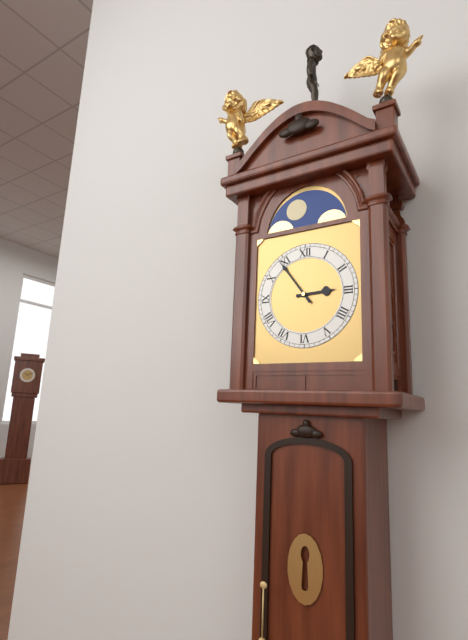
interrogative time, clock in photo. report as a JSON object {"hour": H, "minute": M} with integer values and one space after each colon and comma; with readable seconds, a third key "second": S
{"hour": 2, "minute": 54}
